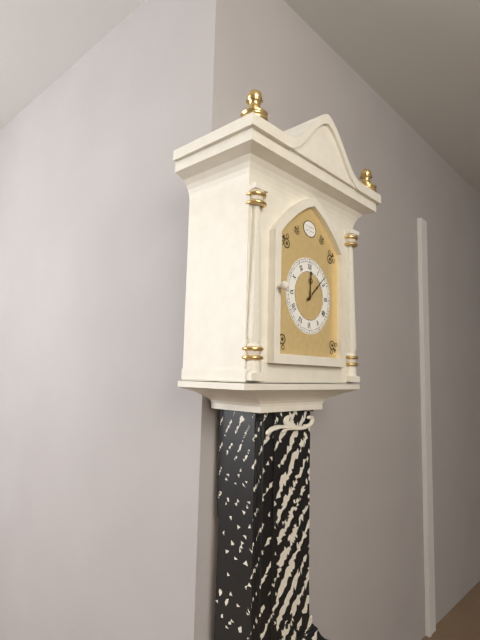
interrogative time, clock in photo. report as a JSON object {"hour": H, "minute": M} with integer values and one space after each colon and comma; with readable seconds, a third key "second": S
{"hour": 12, "minute": 8}
